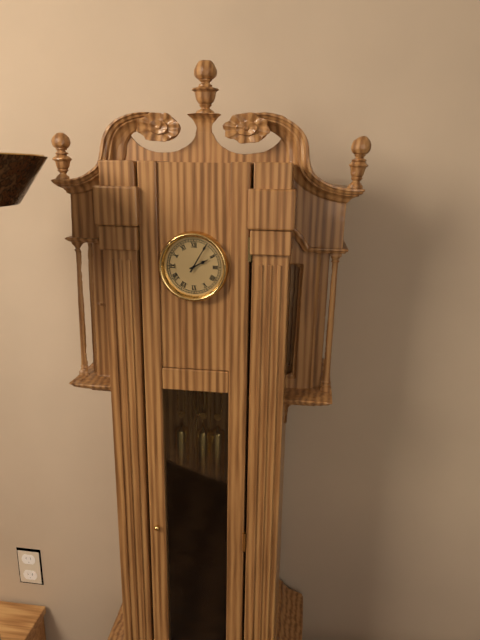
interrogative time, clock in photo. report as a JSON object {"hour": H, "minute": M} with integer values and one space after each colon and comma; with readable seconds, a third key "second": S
{"hour": 2, "minute": 5}
